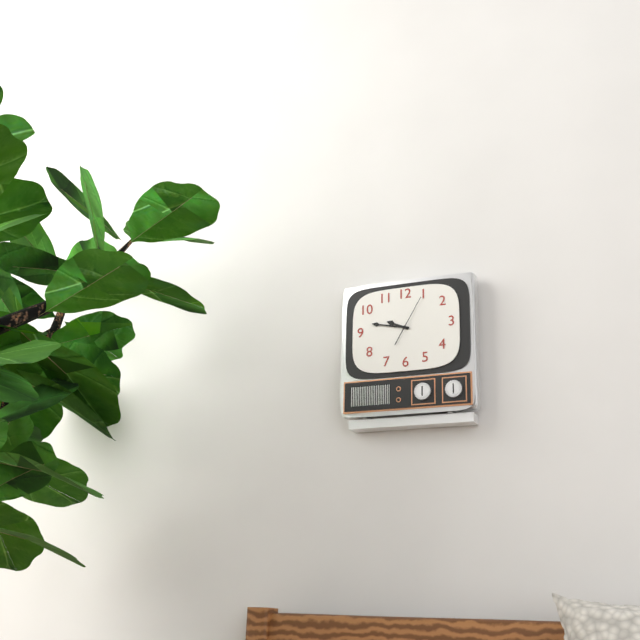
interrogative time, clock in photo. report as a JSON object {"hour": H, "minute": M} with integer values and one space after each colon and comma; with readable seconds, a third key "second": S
{"hour": 9, "minute": 47}
